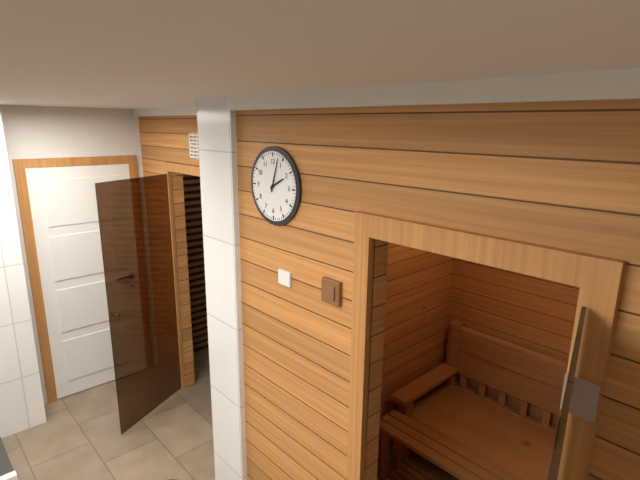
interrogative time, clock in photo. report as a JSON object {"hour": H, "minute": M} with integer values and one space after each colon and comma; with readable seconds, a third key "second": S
{"hour": 2, "minute": 3}
